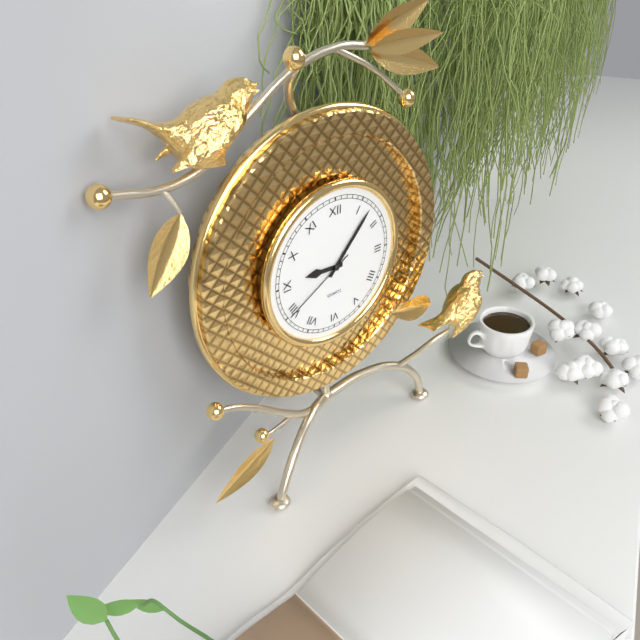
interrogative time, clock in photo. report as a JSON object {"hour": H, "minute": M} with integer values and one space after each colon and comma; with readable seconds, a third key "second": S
{"hour": 9, "minute": 7, "second": 40}
